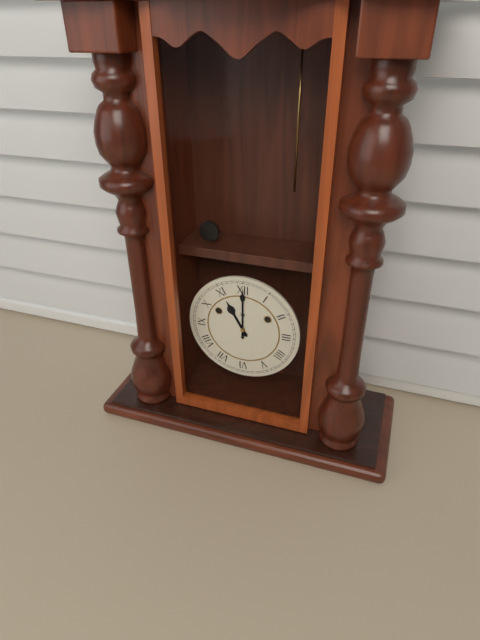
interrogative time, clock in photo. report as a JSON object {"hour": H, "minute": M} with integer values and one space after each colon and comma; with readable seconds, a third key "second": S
{"hour": 11, "minute": 0}
